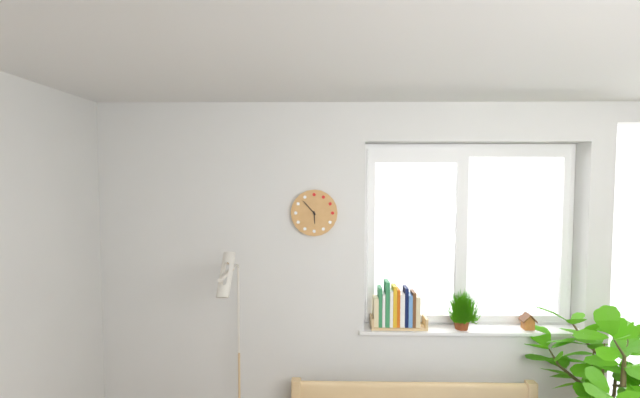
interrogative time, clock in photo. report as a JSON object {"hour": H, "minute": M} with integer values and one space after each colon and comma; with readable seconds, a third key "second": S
{"hour": 5, "minute": 53}
